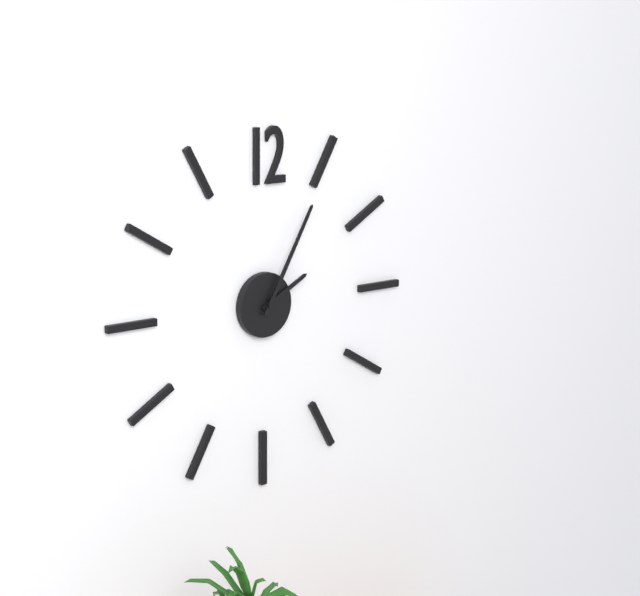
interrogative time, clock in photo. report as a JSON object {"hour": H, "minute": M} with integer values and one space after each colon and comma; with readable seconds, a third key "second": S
{"hour": 2, "minute": 5}
